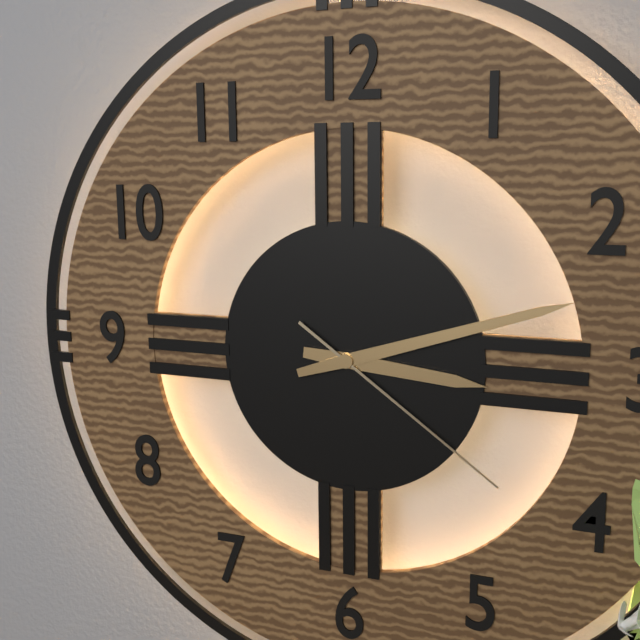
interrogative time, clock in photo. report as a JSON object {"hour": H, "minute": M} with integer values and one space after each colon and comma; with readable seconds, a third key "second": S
{"hour": 3, "minute": 12, "second": 21}
